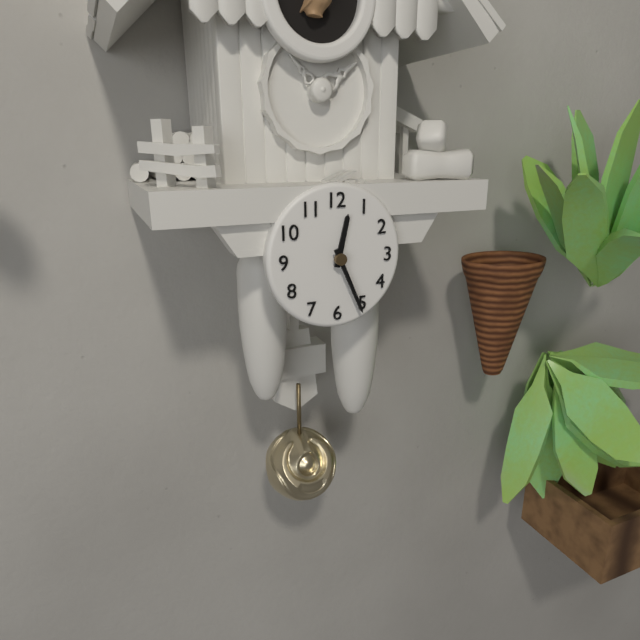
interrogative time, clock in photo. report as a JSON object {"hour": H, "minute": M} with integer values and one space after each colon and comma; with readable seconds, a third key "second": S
{"hour": 12, "minute": 26}
